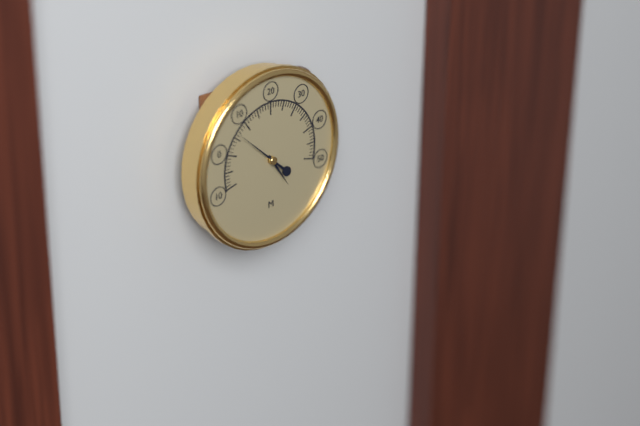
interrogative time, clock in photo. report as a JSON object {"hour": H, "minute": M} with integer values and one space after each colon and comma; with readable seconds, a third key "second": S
{"hour": 4, "minute": 52}
